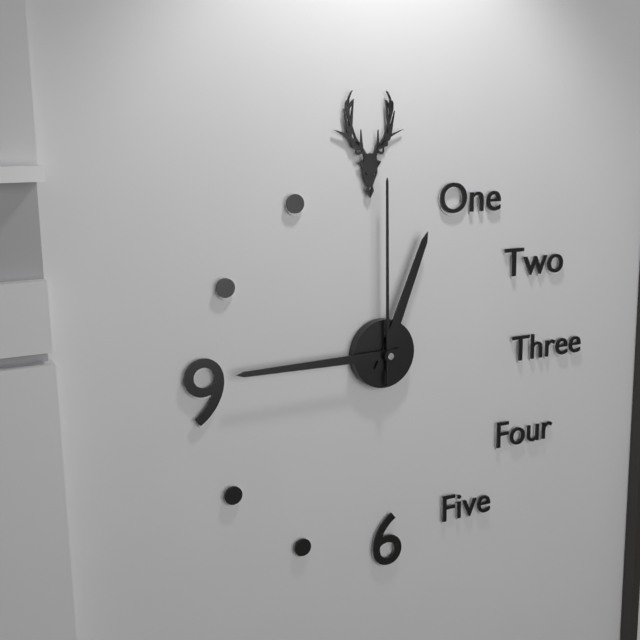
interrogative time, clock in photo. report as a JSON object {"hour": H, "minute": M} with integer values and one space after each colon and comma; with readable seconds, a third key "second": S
{"hour": 12, "minute": 45, "second": 0}
